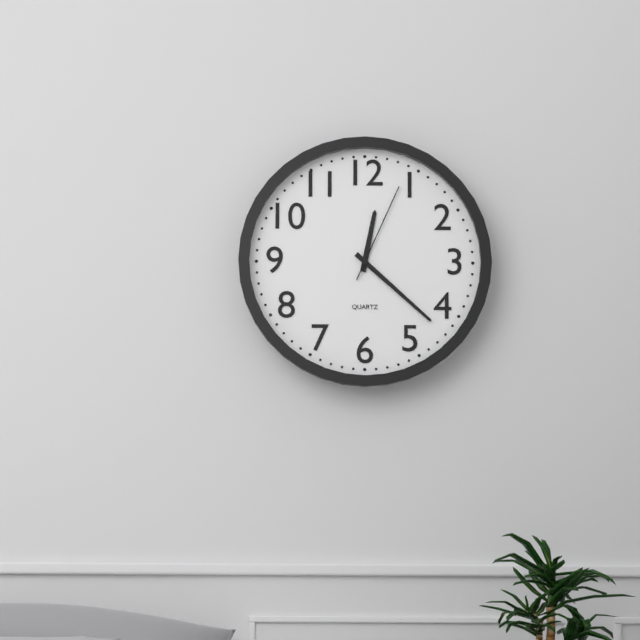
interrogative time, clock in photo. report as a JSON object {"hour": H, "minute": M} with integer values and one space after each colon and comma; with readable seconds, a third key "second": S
{"hour": 12, "minute": 22, "second": 4}
